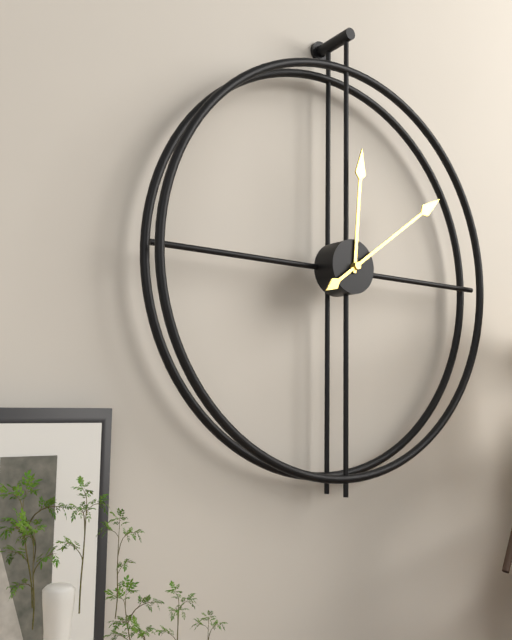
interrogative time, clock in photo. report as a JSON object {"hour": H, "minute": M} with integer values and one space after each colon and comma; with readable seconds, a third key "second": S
{"hour": 12, "minute": 9}
